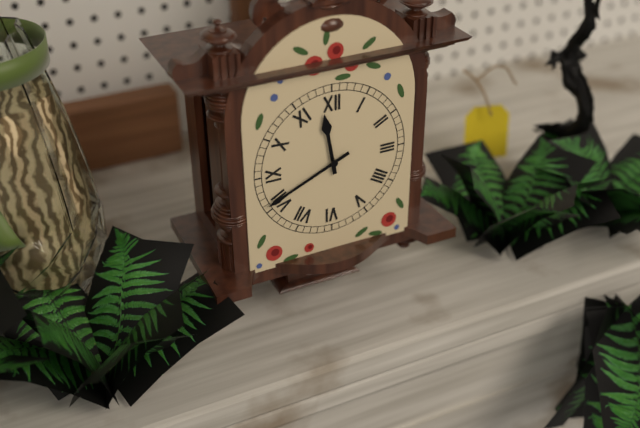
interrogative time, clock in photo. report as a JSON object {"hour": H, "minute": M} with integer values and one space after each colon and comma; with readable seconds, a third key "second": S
{"hour": 11, "minute": 41}
